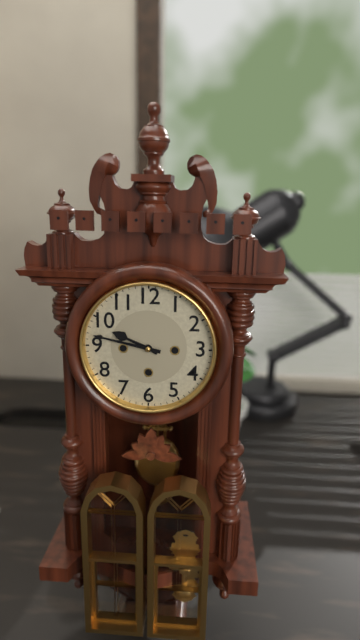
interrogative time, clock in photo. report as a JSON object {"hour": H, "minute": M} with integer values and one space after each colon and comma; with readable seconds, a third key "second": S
{"hour": 9, "minute": 47}
